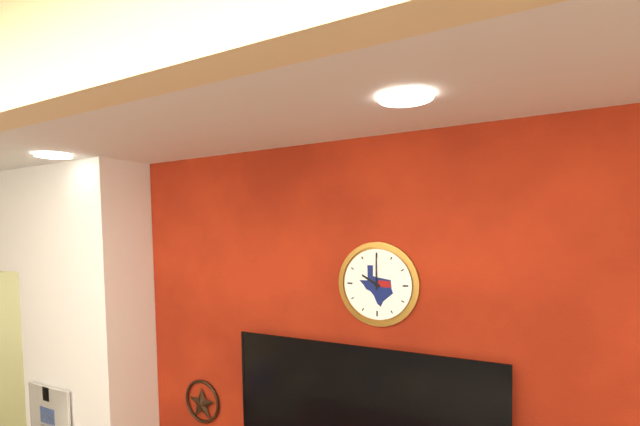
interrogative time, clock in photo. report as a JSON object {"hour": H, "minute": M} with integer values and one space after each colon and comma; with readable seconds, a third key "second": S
{"hour": 10, "minute": 0}
